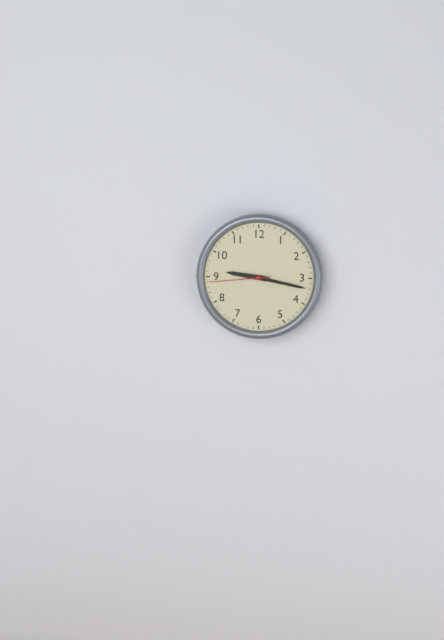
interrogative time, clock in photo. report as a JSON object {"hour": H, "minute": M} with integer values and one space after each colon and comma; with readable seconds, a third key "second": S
{"hour": 9, "minute": 17, "second": 44}
